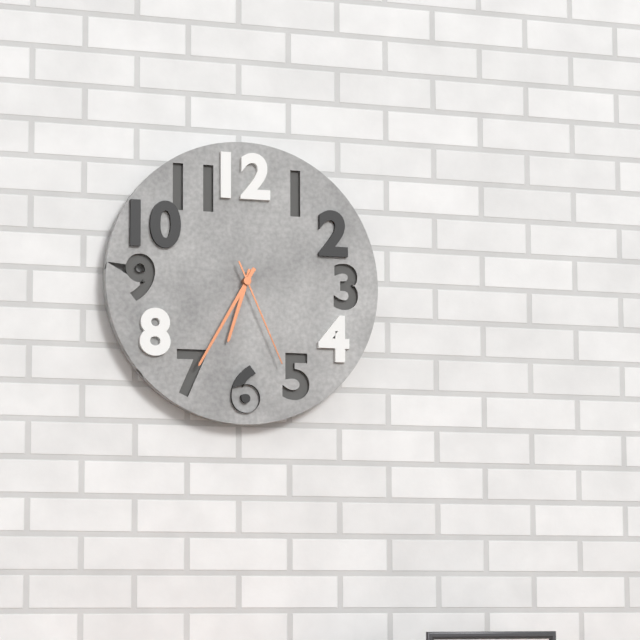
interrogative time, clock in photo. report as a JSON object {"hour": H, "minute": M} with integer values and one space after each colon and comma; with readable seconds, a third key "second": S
{"hour": 6, "minute": 35, "second": 26}
